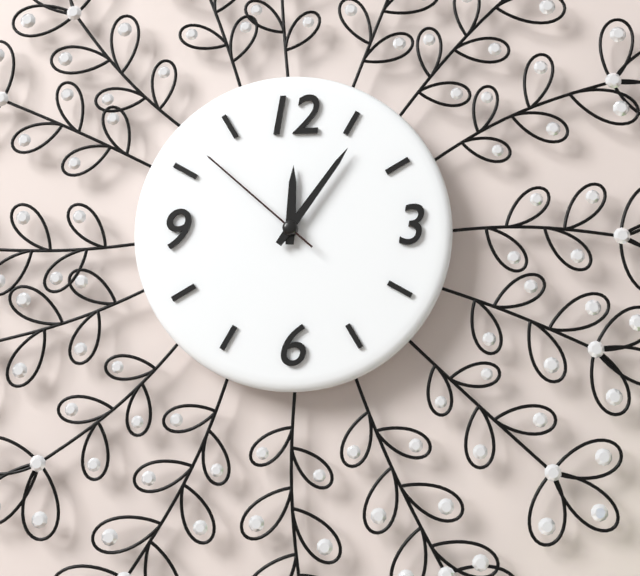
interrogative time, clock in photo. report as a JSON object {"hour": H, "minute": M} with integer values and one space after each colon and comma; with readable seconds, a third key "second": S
{"hour": 12, "minute": 6, "second": 52}
